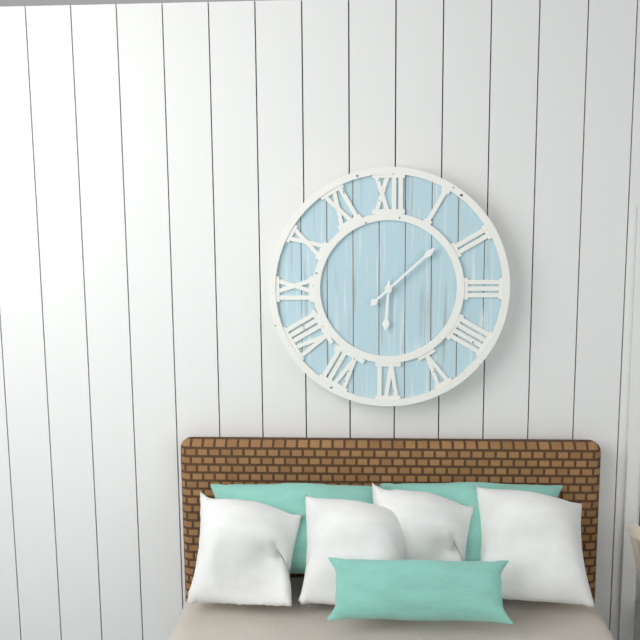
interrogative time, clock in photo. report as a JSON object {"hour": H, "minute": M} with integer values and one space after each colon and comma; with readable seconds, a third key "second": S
{"hour": 6, "minute": 8}
